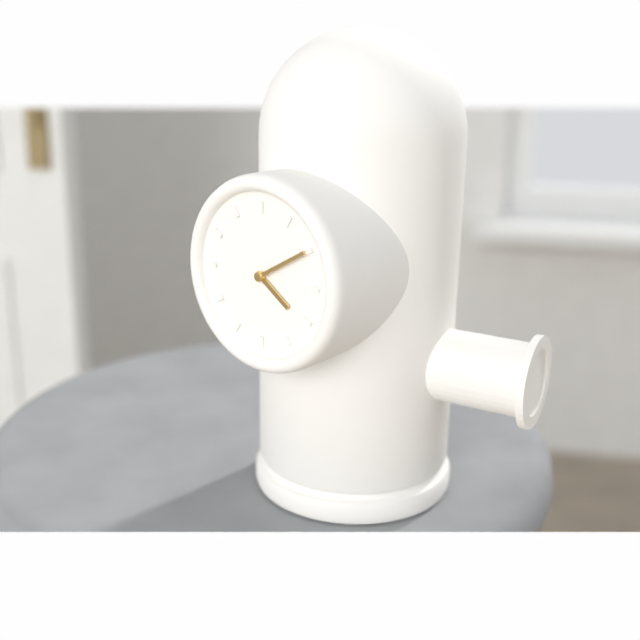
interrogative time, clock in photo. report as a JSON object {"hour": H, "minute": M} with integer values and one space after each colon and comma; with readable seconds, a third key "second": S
{"hour": 4, "minute": 10}
